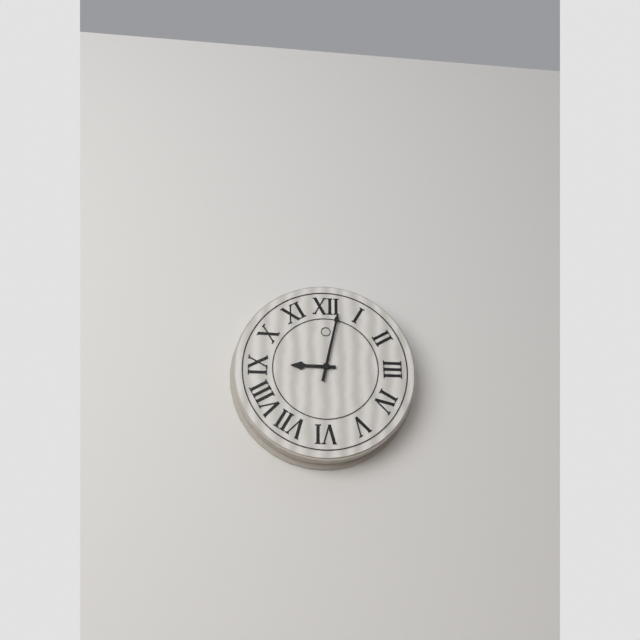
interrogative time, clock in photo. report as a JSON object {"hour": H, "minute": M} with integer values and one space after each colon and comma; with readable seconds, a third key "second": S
{"hour": 9, "minute": 2}
